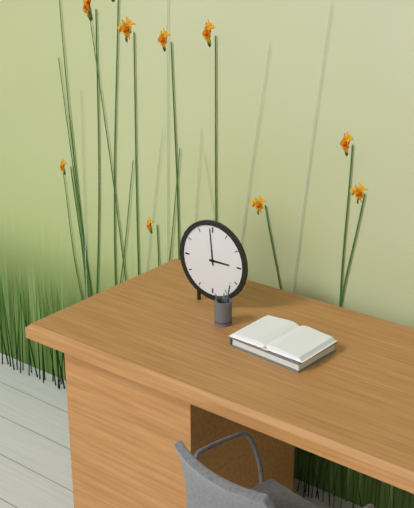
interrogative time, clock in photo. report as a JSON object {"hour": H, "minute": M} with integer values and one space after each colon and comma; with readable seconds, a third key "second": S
{"hour": 2, "minute": 59}
